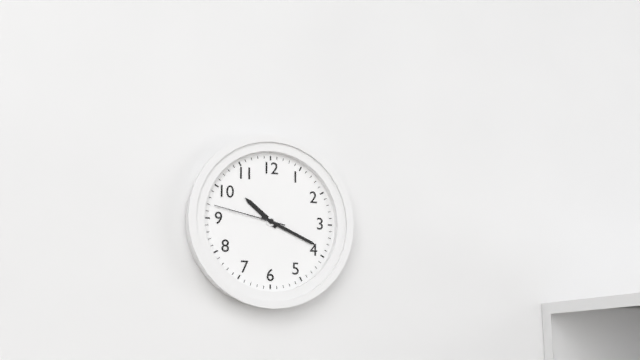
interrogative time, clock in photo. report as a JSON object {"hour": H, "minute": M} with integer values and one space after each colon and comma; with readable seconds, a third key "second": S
{"hour": 10, "minute": 19, "second": 47}
